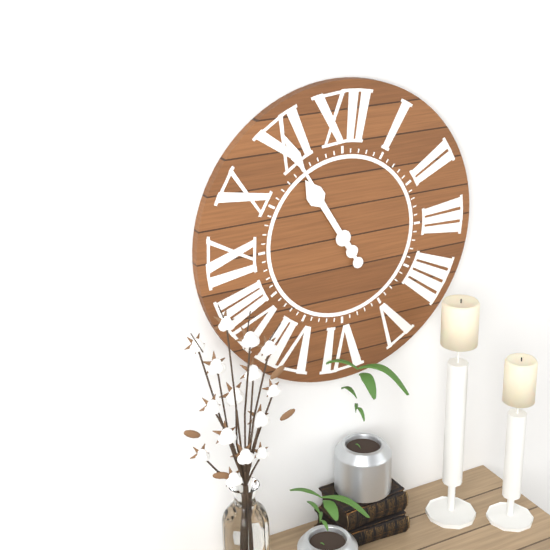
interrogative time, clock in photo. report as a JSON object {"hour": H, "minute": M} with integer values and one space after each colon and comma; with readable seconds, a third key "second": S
{"hour": 10, "minute": 55}
